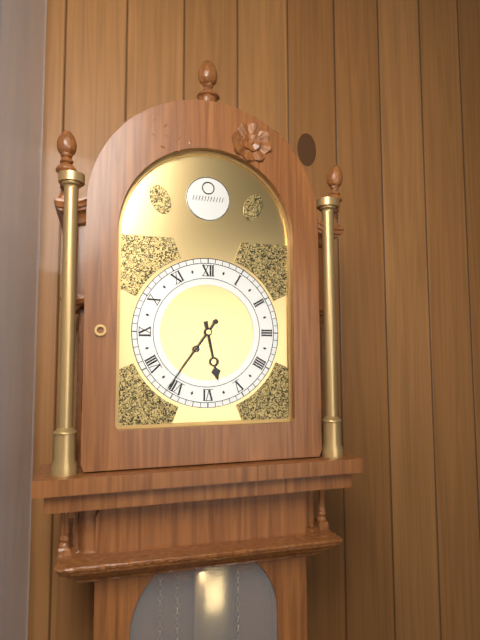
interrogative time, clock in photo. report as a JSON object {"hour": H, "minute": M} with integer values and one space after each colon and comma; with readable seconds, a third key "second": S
{"hour": 5, "minute": 36}
